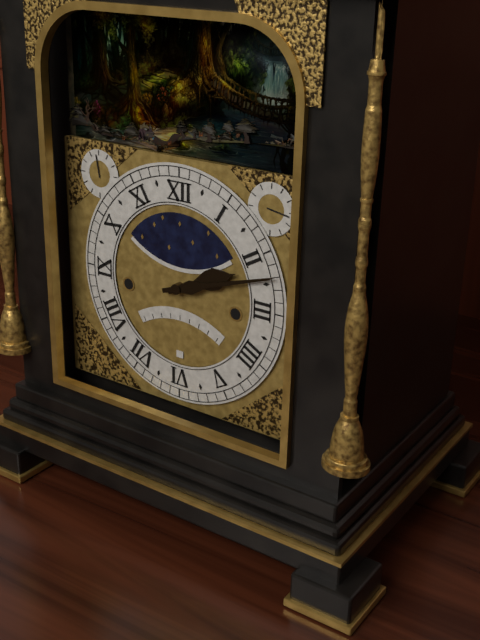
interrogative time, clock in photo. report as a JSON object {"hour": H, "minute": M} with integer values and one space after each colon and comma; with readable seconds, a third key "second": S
{"hour": 2, "minute": 12}
